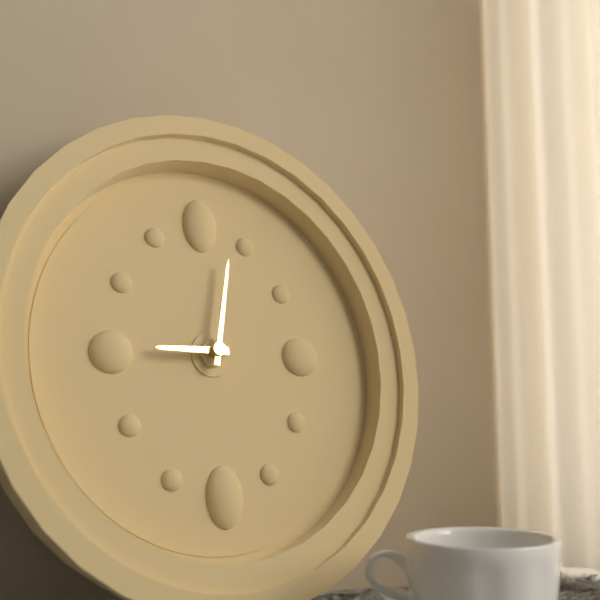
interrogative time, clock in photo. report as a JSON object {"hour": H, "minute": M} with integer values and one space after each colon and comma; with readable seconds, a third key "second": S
{"hour": 9, "minute": 2}
